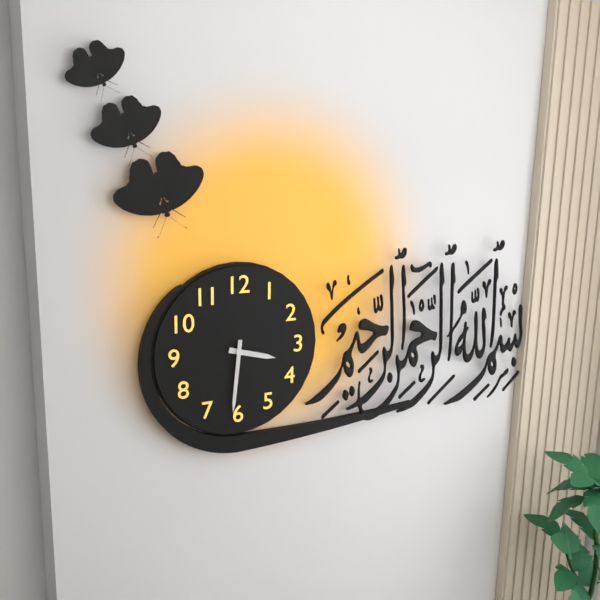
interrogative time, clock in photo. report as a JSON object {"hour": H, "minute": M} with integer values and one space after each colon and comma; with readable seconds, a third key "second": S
{"hour": 3, "minute": 31}
